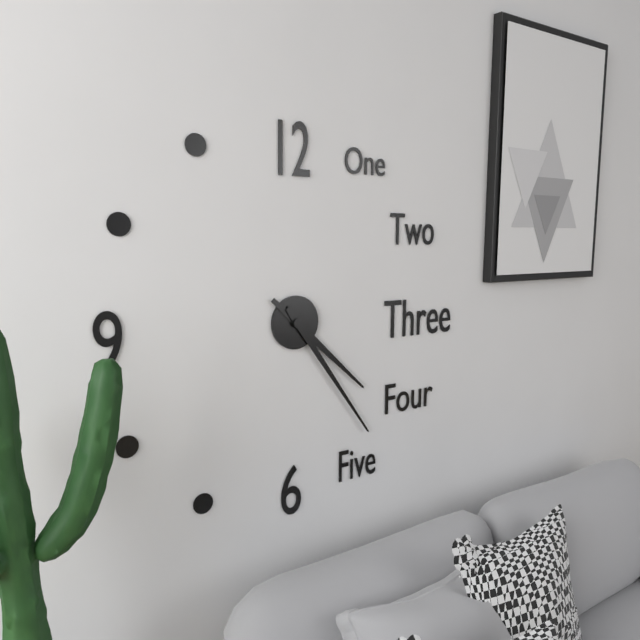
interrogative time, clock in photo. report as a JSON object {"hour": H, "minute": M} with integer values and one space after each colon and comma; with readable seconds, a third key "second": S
{"hour": 4, "minute": 24}
